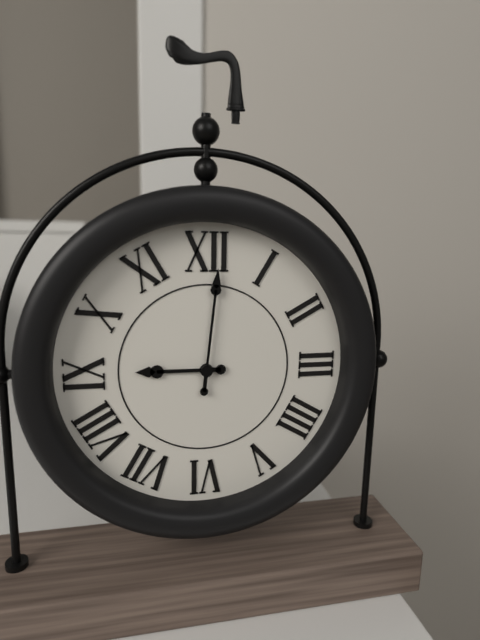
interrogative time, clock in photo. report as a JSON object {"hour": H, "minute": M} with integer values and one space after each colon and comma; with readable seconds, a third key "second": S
{"hour": 9, "minute": 1}
